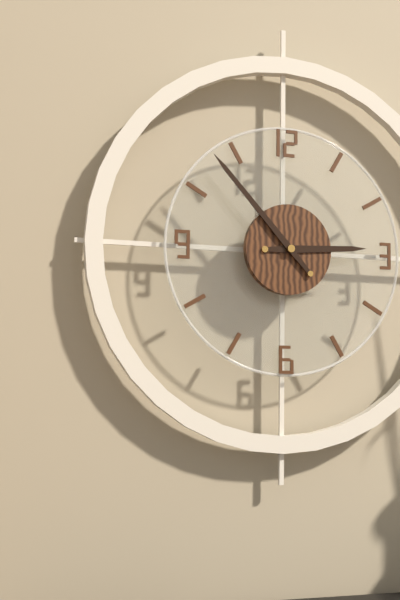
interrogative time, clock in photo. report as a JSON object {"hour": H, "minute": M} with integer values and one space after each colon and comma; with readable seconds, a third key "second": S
{"hour": 2, "minute": 53}
